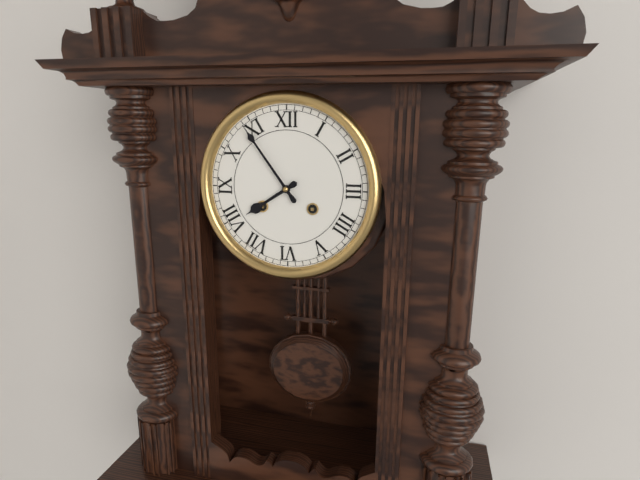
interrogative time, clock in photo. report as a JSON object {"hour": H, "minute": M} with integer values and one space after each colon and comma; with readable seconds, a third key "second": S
{"hour": 7, "minute": 54}
